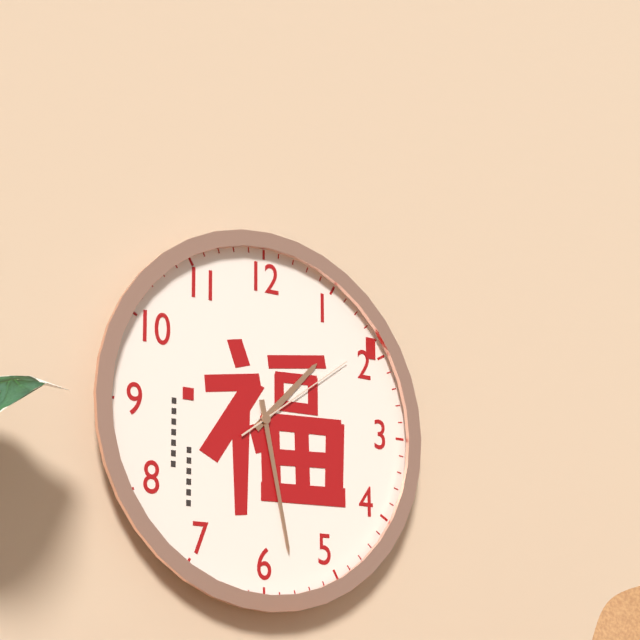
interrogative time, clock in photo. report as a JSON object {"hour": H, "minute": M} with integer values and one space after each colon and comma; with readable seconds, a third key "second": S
{"hour": 1, "minute": 28, "second": 9}
